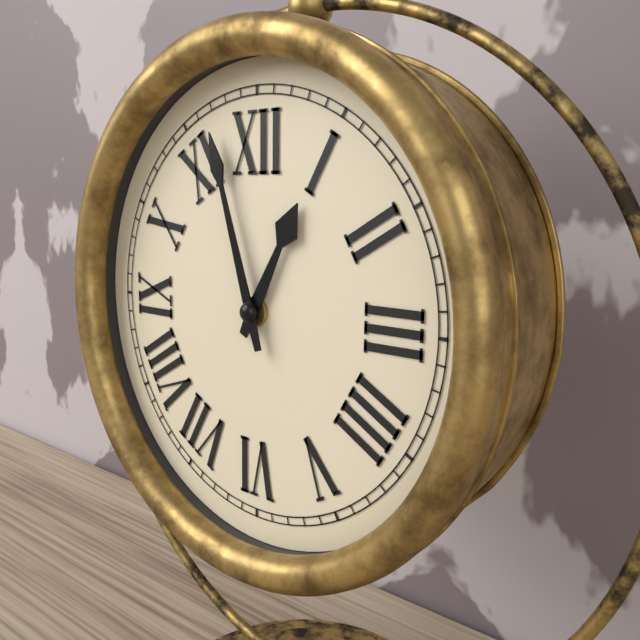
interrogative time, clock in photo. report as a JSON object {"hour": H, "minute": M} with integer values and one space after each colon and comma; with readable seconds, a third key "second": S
{"hour": 12, "minute": 57}
